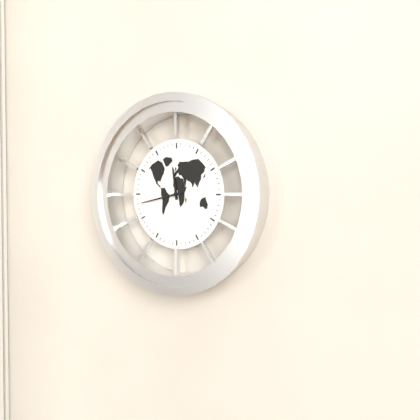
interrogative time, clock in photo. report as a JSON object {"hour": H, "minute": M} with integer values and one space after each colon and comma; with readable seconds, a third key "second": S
{"hour": 11, "minute": 43}
